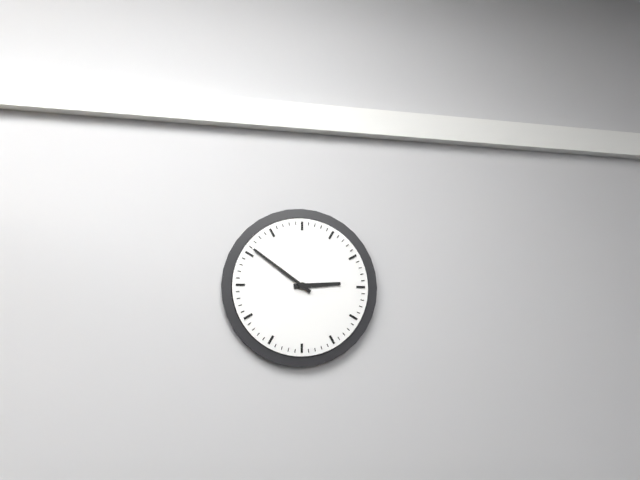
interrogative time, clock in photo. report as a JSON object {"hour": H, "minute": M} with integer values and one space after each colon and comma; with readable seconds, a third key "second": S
{"hour": 2, "minute": 51}
